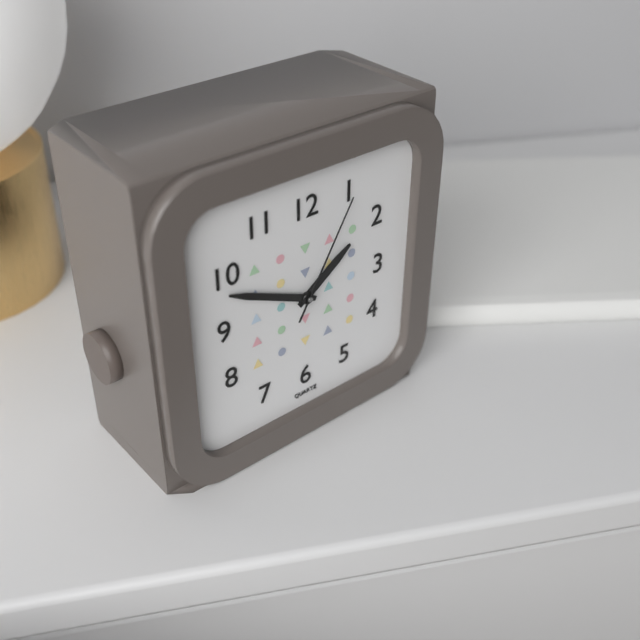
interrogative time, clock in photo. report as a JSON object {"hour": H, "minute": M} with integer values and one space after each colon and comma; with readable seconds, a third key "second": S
{"hour": 1, "minute": 49, "second": 5}
